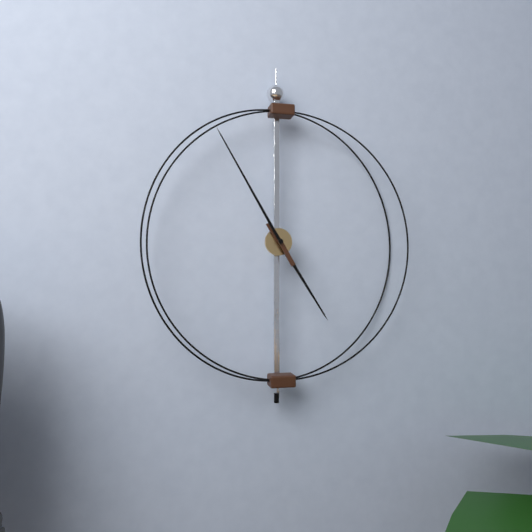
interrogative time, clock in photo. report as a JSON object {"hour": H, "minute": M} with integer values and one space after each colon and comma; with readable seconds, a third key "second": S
{"hour": 4, "minute": 55}
